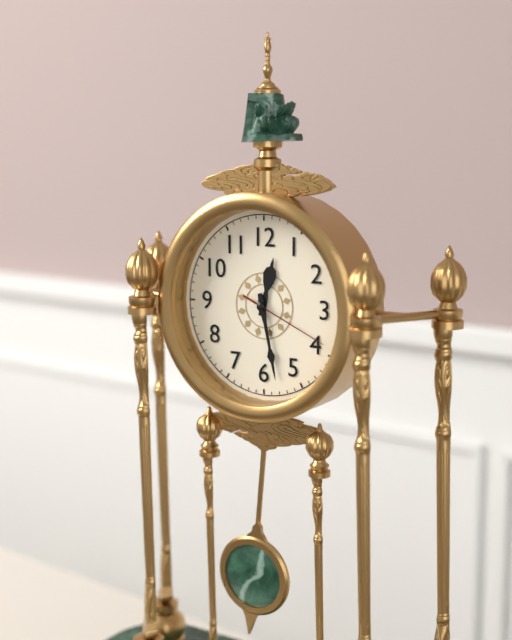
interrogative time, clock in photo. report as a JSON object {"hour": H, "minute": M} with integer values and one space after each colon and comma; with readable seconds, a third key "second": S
{"hour": 12, "minute": 28, "second": 19}
